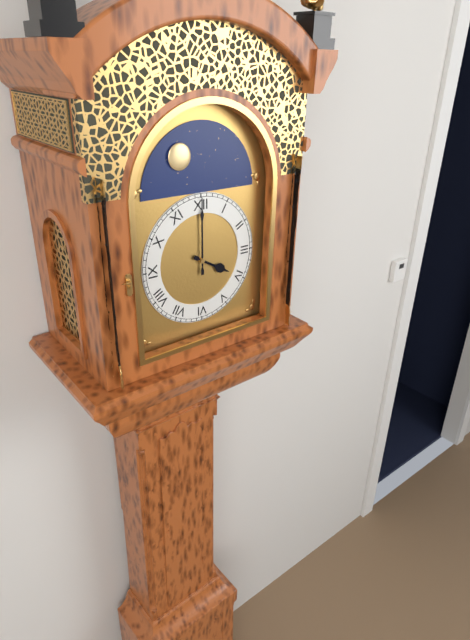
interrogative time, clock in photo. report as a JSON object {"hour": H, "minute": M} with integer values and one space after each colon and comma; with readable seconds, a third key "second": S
{"hour": 4, "minute": 0}
